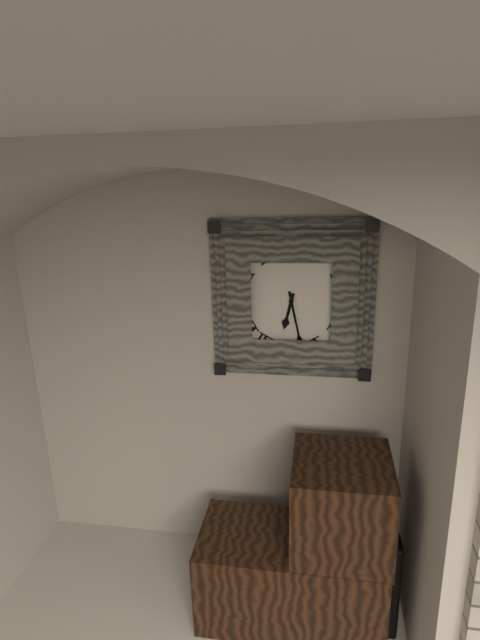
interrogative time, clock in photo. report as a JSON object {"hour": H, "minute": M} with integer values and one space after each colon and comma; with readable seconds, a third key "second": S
{"hour": 6, "minute": 28}
